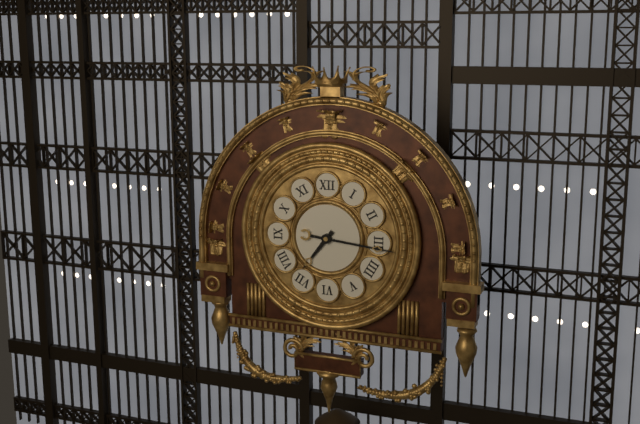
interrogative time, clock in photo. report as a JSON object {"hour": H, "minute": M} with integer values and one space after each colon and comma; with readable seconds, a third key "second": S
{"hour": 7, "minute": 16}
